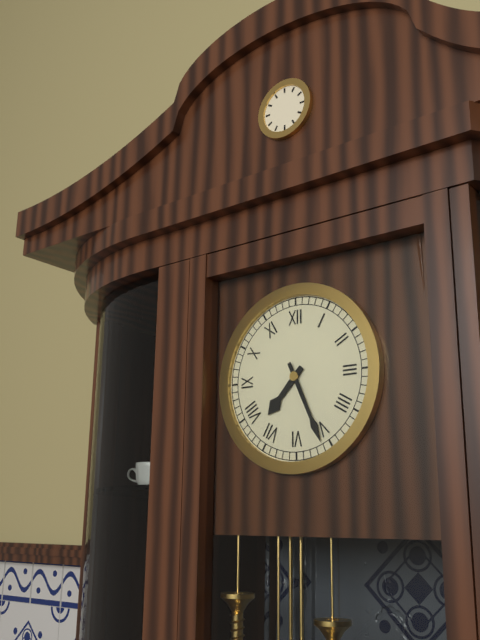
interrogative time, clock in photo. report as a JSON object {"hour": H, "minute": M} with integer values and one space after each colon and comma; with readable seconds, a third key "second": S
{"hour": 7, "minute": 26}
